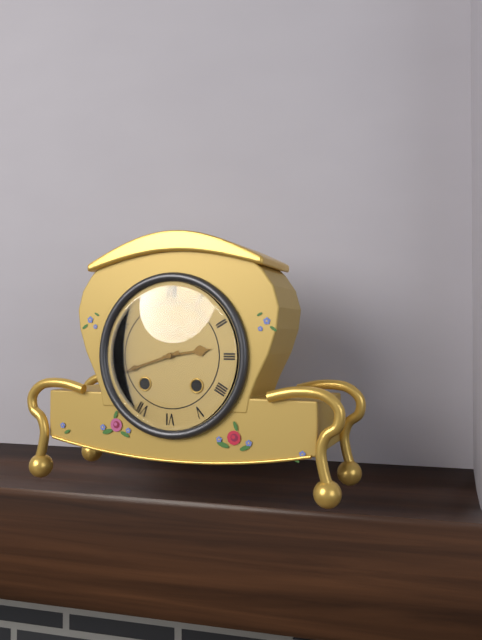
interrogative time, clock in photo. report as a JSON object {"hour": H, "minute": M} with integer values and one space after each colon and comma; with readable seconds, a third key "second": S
{"hour": 2, "minute": 42}
